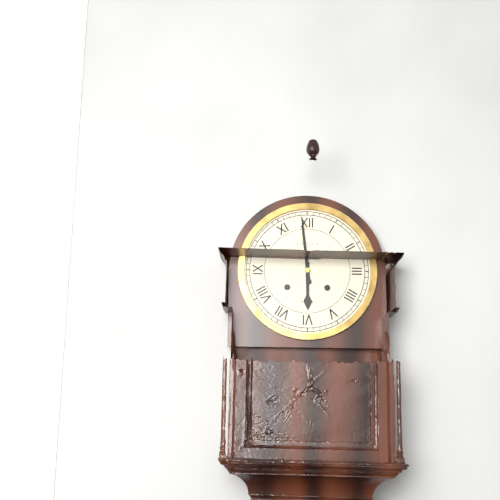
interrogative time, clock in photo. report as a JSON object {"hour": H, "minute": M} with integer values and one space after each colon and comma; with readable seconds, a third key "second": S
{"hour": 5, "minute": 59}
